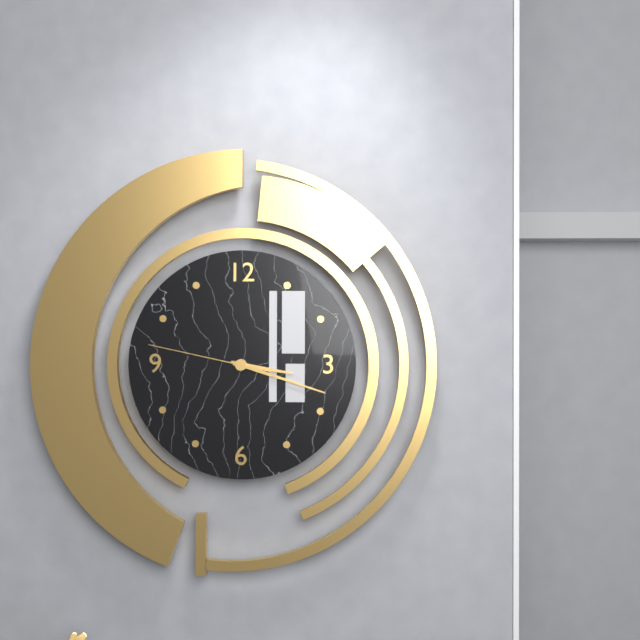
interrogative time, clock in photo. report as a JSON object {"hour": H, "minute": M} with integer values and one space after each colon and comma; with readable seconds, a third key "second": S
{"hour": 3, "minute": 18, "second": 47}
